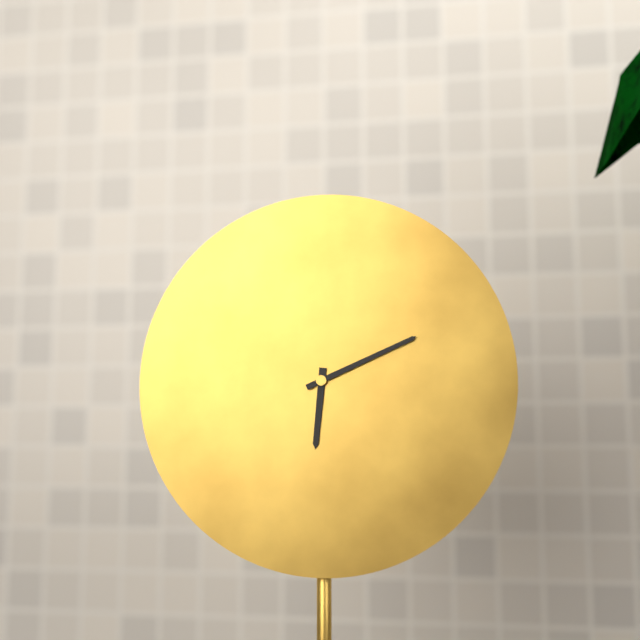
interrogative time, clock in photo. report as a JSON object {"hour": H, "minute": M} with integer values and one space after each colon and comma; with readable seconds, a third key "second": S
{"hour": 6, "minute": 11}
